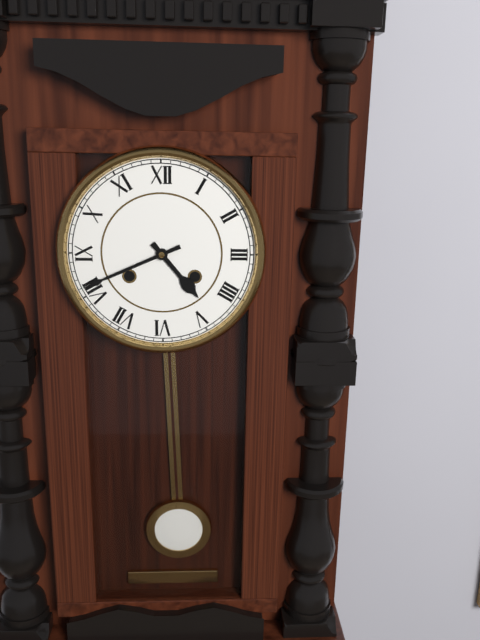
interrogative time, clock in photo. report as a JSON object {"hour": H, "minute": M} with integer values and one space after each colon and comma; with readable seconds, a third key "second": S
{"hour": 4, "minute": 41}
